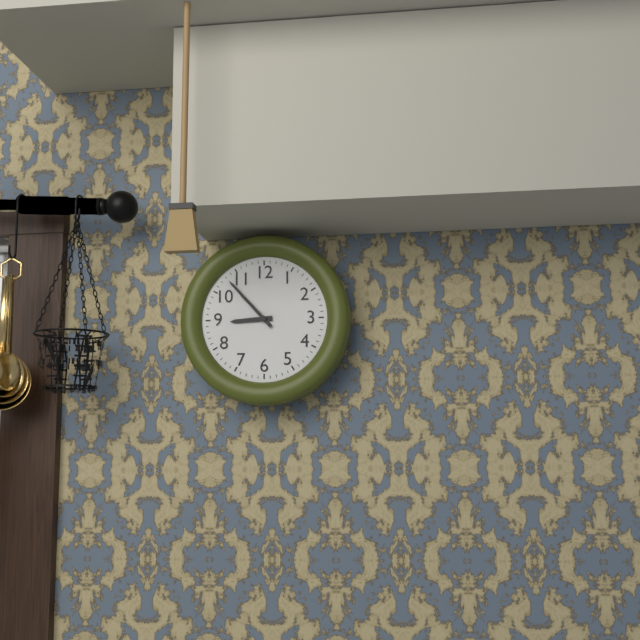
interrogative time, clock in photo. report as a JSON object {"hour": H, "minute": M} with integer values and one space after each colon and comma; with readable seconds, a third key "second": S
{"hour": 8, "minute": 53}
